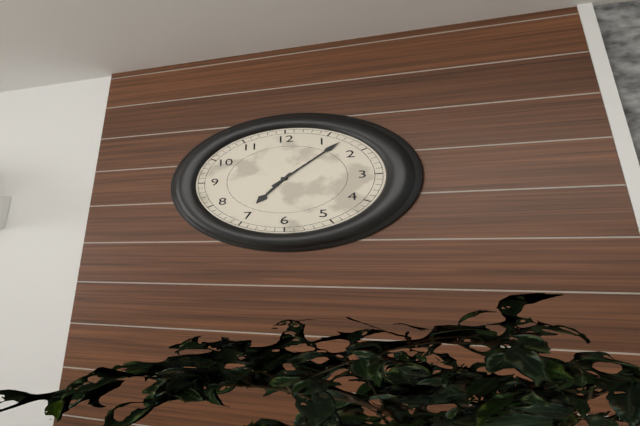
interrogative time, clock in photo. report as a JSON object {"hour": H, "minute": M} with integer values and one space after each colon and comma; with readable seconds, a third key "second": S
{"hour": 7, "minute": 7}
